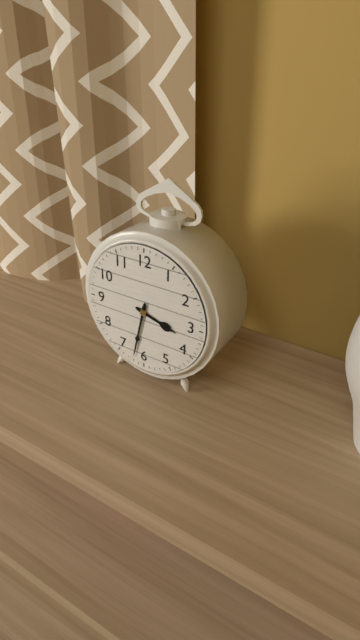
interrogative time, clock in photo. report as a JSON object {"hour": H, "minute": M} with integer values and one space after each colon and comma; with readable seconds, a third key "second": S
{"hour": 3, "minute": 32}
